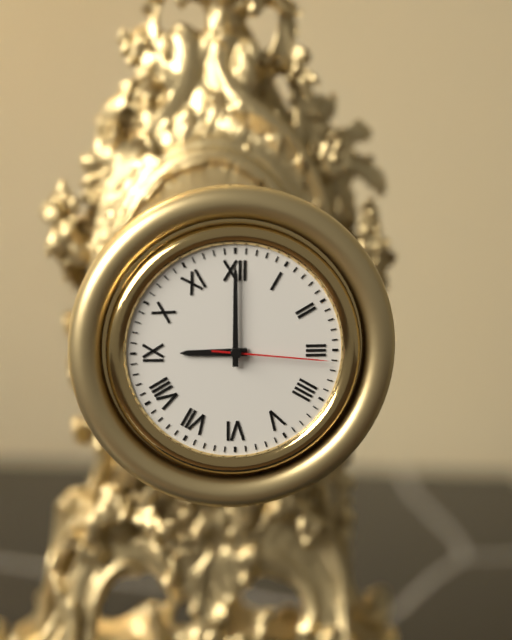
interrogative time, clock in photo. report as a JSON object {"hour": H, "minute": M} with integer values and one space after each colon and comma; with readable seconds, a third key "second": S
{"hour": 9, "minute": 0, "second": 16}
